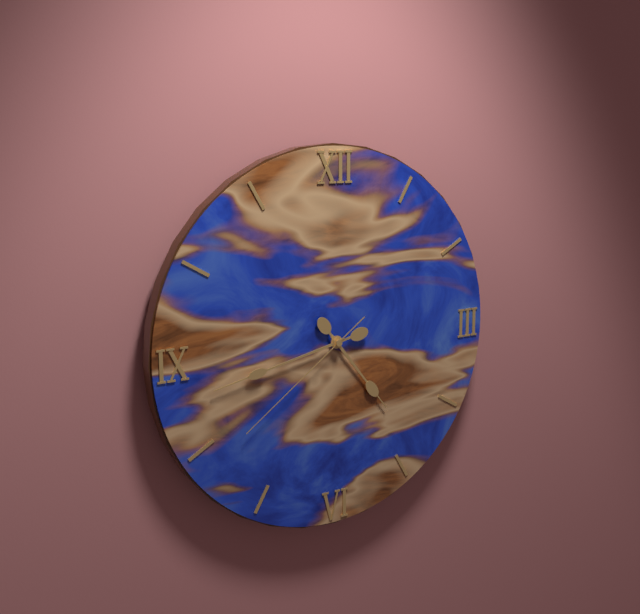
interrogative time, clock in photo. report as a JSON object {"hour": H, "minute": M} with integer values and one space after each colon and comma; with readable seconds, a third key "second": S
{"hour": 4, "minute": 43, "second": 39}
